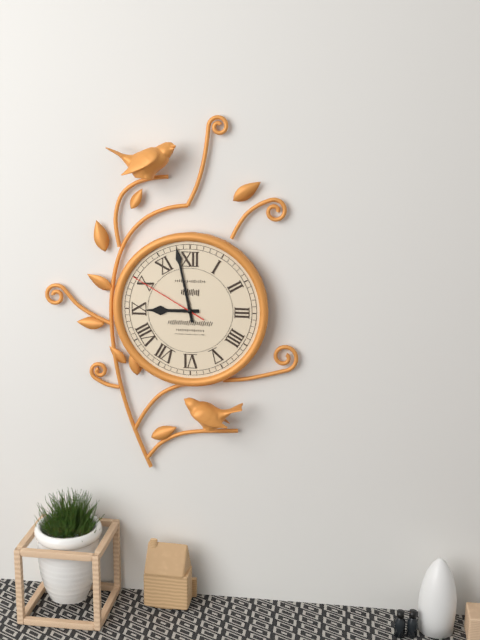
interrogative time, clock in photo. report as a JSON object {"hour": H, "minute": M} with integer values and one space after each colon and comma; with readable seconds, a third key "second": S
{"hour": 8, "minute": 58, "second": 50}
